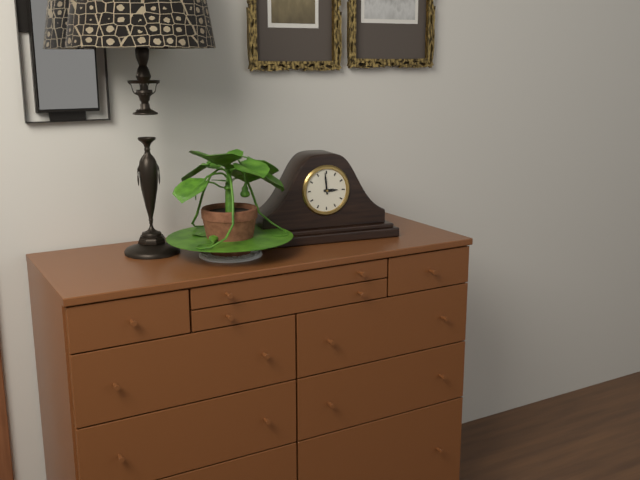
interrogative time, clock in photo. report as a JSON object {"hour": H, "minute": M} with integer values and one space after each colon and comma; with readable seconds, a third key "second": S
{"hour": 2, "minute": 59}
